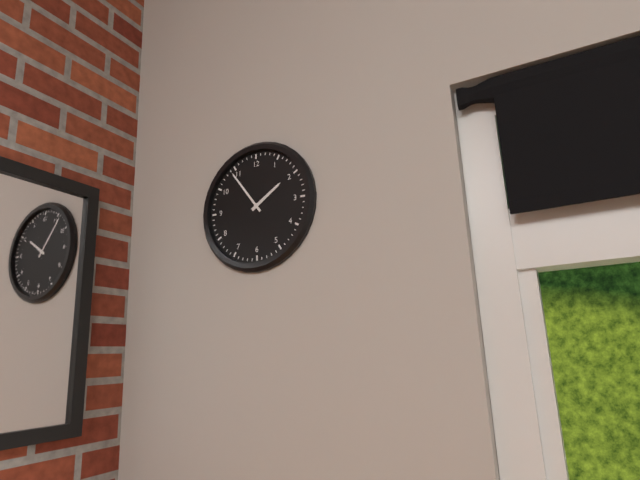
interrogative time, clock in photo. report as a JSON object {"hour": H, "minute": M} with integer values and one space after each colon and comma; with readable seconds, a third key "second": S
{"hour": 1, "minute": 54}
